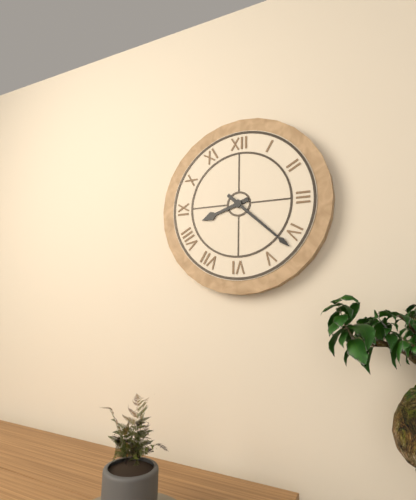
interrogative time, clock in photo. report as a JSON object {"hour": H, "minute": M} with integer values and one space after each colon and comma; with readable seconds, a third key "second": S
{"hour": 8, "minute": 22}
